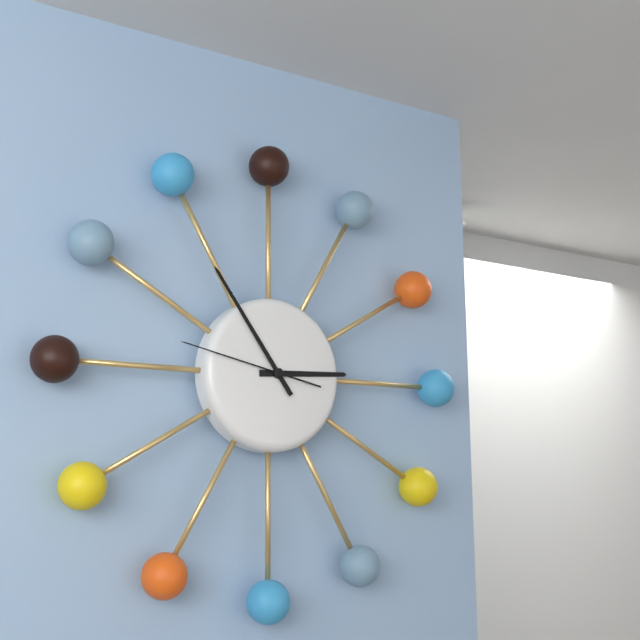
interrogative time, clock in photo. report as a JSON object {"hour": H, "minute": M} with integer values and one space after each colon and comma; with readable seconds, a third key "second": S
{"hour": 2, "minute": 54, "second": 47}
